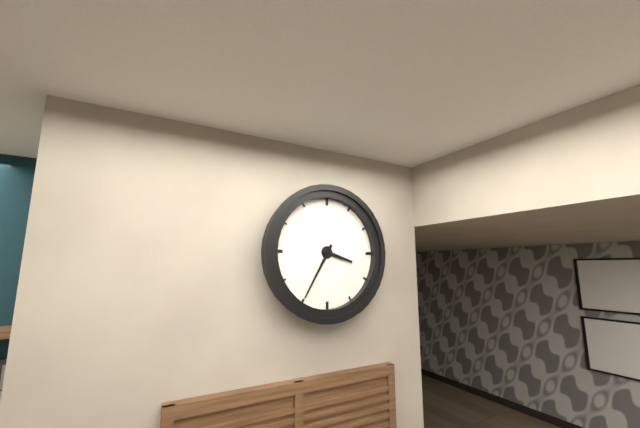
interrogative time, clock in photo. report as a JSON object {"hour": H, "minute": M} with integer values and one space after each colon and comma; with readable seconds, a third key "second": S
{"hour": 3, "minute": 35}
